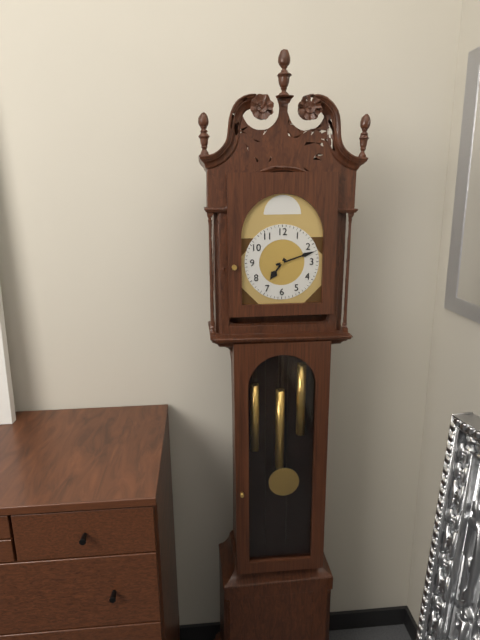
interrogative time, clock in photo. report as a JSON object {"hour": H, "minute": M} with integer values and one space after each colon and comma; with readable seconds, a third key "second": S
{"hour": 7, "minute": 12}
